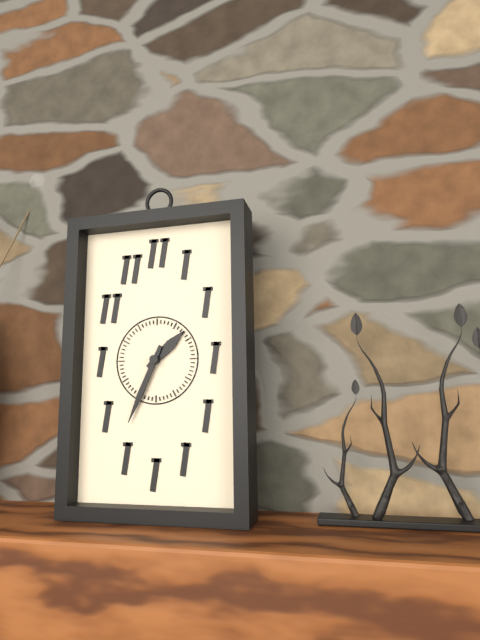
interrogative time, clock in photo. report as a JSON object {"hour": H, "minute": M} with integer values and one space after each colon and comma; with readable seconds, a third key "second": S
{"hour": 1, "minute": 34}
